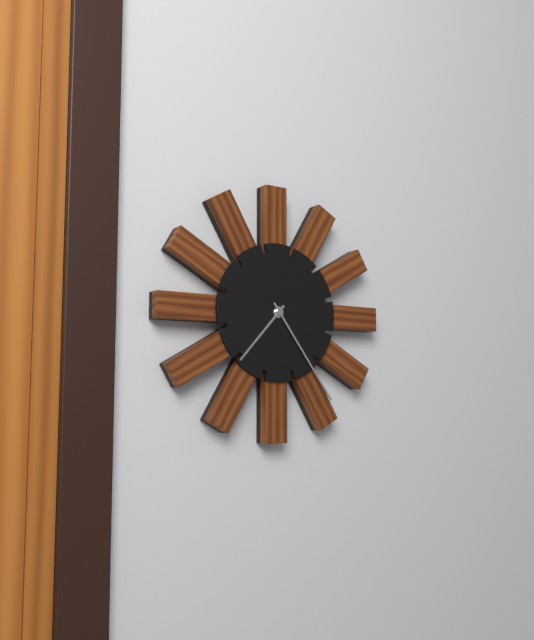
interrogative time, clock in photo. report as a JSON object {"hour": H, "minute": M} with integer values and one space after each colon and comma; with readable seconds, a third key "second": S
{"hour": 7, "minute": 24}
